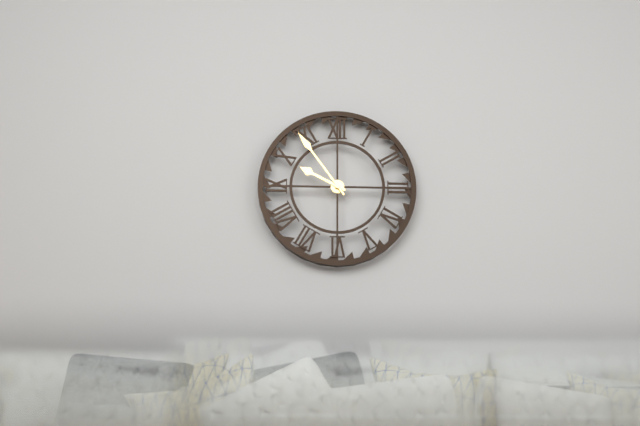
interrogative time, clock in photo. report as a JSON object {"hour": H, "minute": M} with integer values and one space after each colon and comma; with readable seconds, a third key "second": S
{"hour": 9, "minute": 54}
